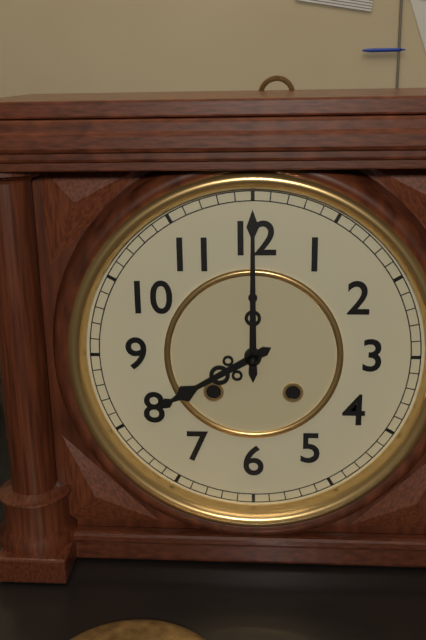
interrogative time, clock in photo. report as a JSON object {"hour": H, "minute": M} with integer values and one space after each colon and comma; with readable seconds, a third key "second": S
{"hour": 8, "minute": 0}
